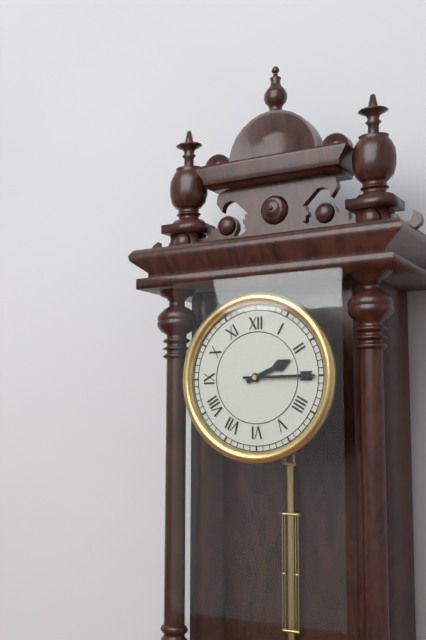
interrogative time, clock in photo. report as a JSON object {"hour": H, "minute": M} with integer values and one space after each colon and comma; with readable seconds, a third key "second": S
{"hour": 2, "minute": 15}
